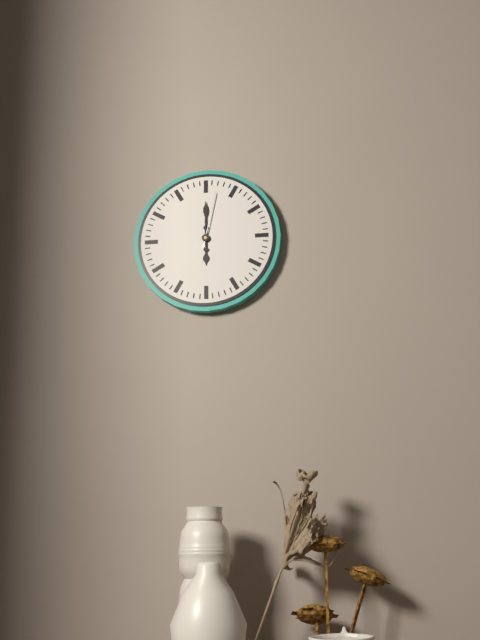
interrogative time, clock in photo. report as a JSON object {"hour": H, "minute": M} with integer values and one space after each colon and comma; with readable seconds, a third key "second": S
{"hour": 6, "minute": 0, "second": 2}
